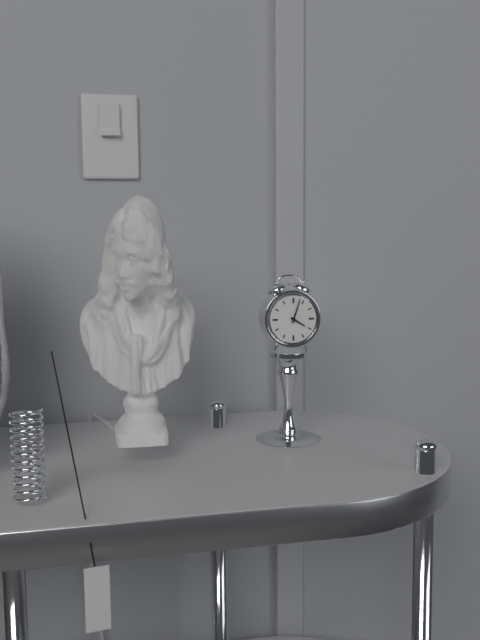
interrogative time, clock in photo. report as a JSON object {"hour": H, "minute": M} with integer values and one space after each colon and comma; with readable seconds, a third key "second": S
{"hour": 4, "minute": 3}
